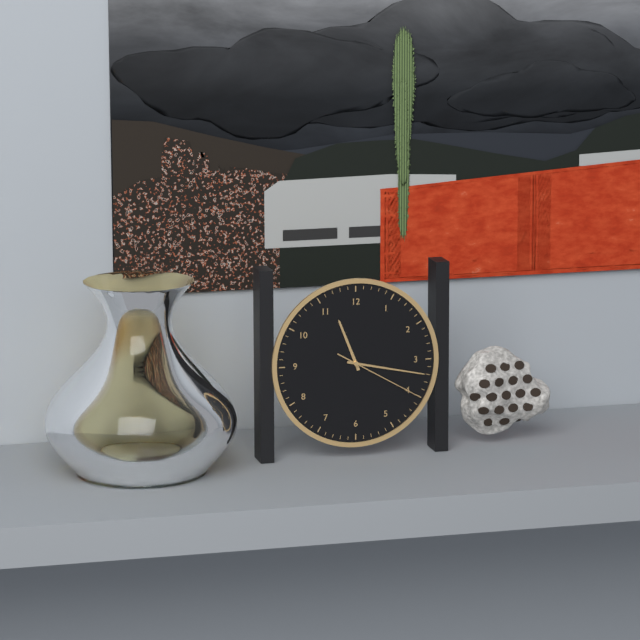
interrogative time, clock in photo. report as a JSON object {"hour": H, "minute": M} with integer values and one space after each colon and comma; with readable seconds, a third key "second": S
{"hour": 11, "minute": 17, "second": 20}
